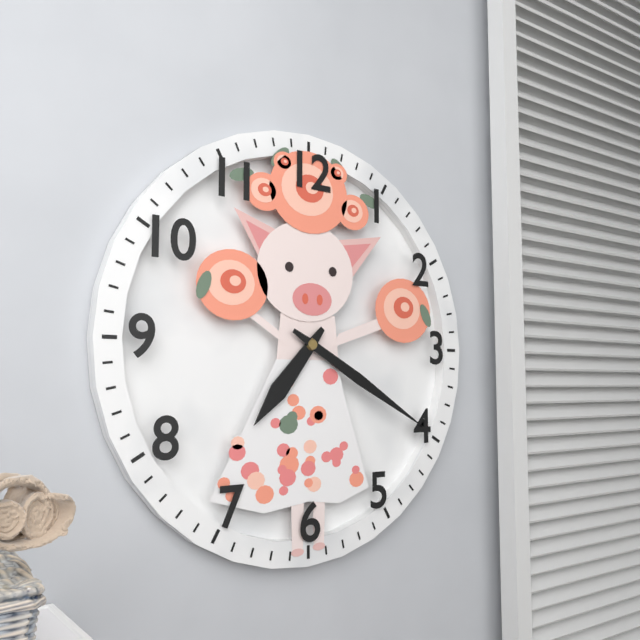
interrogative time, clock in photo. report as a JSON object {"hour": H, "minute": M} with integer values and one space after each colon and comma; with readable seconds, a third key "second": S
{"hour": 7, "minute": 20}
